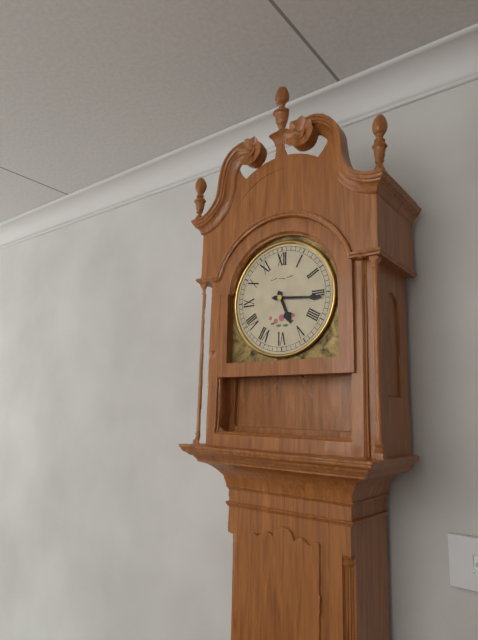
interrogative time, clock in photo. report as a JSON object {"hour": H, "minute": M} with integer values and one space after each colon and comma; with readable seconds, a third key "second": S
{"hour": 5, "minute": 16}
